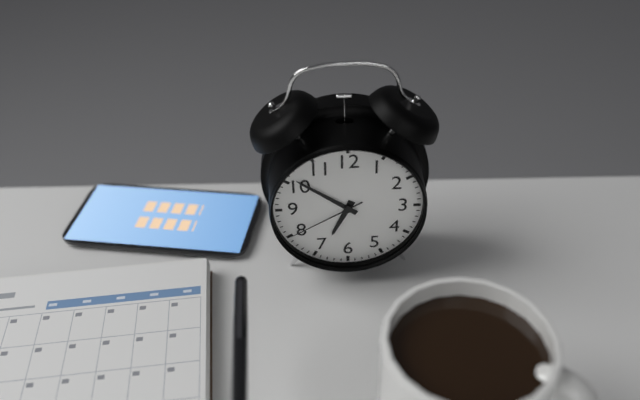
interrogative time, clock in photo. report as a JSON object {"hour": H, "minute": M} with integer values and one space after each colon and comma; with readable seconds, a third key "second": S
{"hour": 6, "minute": 51, "second": 40}
